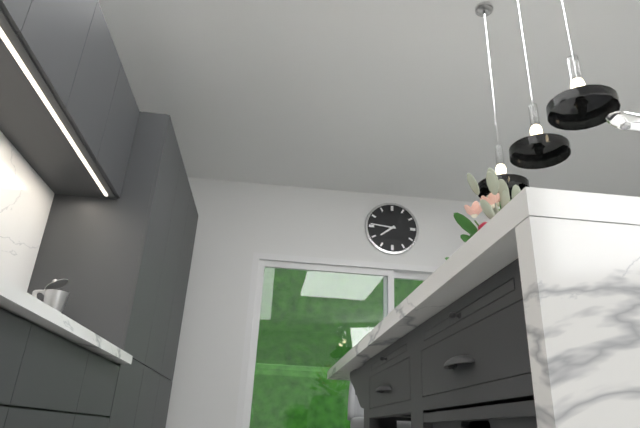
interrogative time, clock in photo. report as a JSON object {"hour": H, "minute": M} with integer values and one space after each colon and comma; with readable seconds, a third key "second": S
{"hour": 7, "minute": 46}
